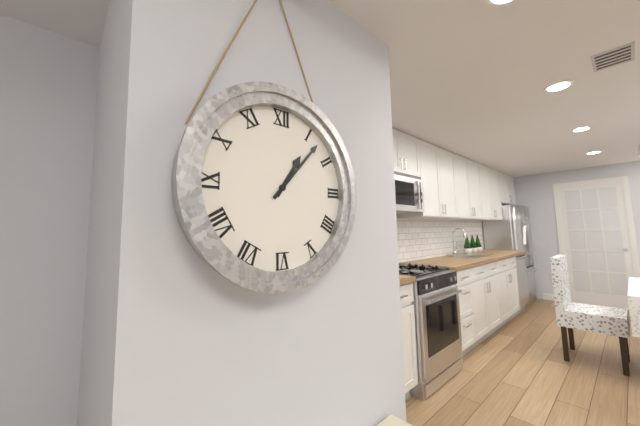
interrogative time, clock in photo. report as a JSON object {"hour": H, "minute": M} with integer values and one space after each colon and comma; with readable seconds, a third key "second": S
{"hour": 1, "minute": 7}
